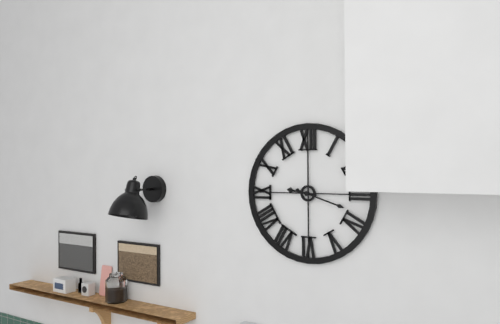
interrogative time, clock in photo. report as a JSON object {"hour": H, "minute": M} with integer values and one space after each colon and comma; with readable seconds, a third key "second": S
{"hour": 9, "minute": 18}
